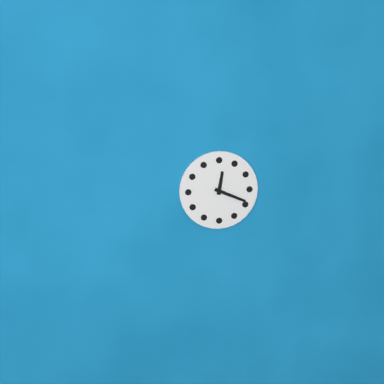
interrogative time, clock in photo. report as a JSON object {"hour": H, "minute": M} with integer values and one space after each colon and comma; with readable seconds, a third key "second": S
{"hour": 12, "minute": 19}
